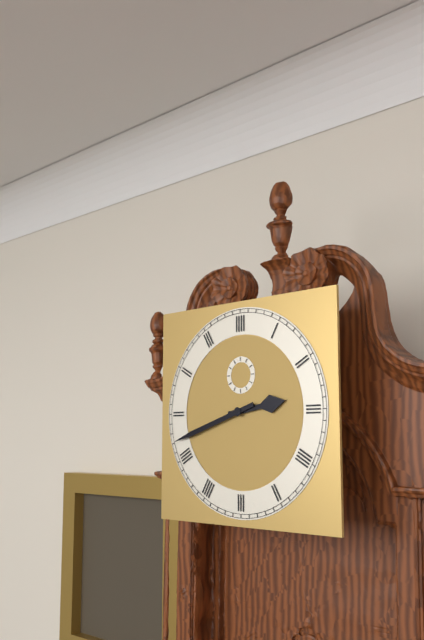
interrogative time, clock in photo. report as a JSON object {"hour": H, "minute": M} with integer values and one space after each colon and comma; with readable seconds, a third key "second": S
{"hour": 2, "minute": 42}
